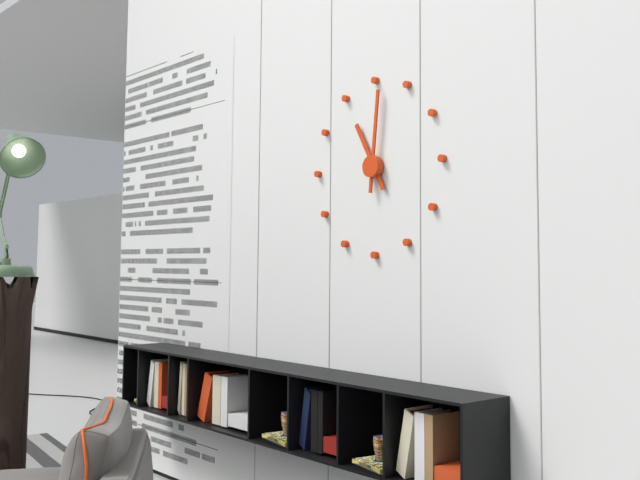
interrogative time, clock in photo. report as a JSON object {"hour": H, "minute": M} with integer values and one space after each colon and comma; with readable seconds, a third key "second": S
{"hour": 11, "minute": 1}
